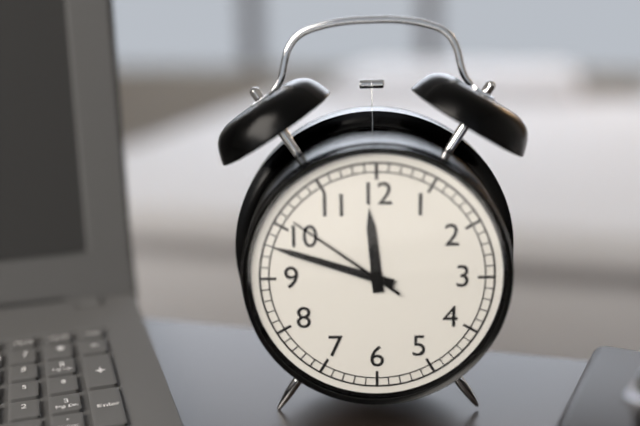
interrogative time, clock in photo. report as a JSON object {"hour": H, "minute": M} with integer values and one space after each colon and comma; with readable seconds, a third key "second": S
{"hour": 11, "minute": 48, "second": 51}
